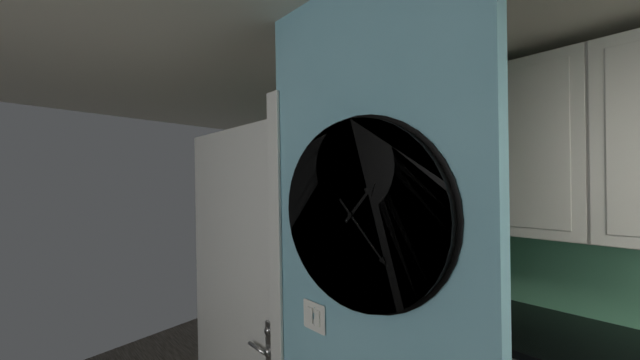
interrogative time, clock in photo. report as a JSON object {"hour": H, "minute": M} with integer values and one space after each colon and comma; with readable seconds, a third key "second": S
{"hour": 1, "minute": 23}
